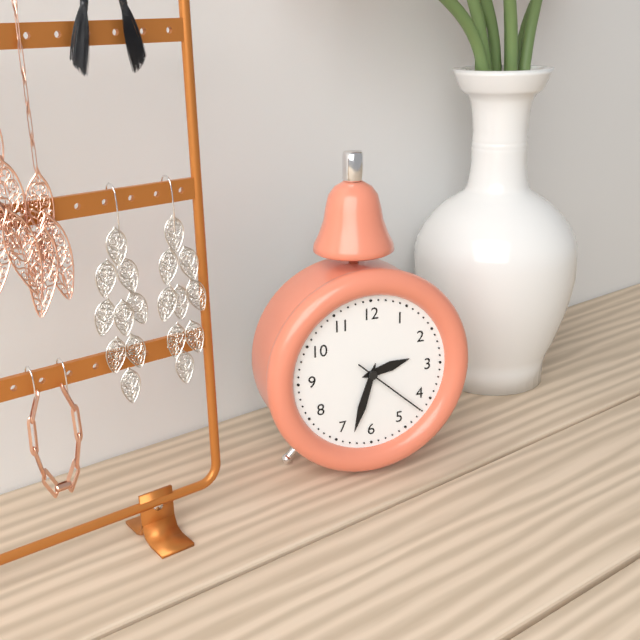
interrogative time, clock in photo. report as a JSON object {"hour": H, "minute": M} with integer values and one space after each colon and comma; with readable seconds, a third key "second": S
{"hour": 2, "minute": 33, "second": 22}
